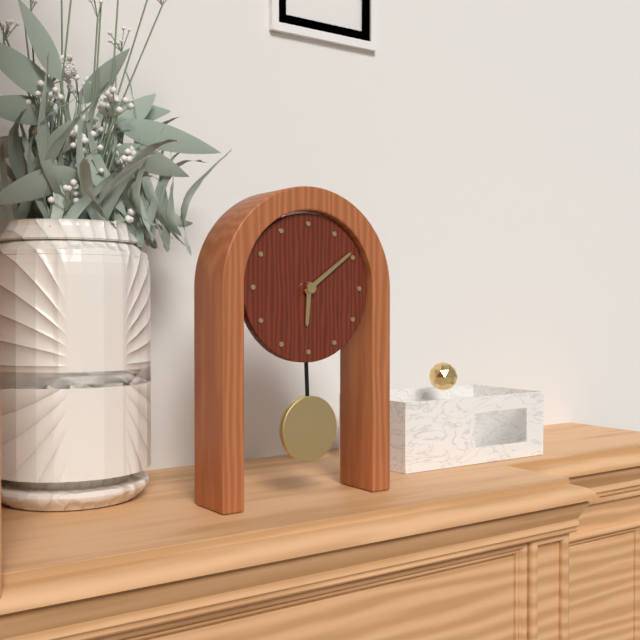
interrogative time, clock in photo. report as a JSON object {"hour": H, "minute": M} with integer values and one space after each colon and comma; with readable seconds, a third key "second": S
{"hour": 6, "minute": 9}
